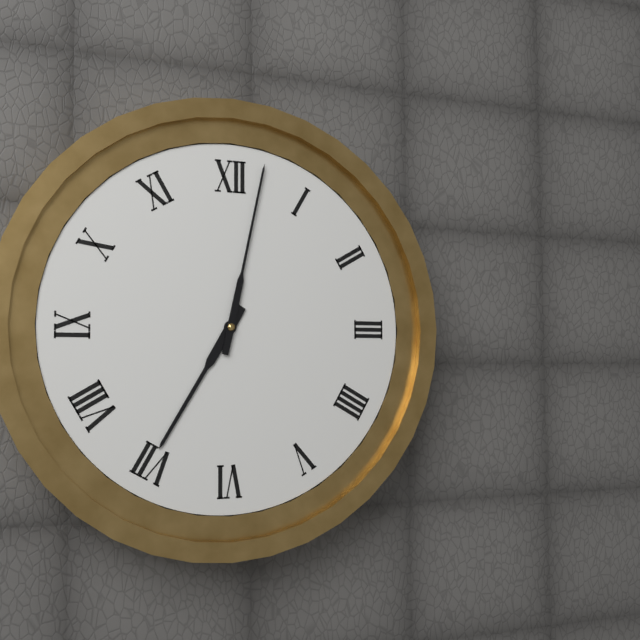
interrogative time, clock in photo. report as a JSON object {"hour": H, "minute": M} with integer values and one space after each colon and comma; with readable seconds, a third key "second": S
{"hour": 7, "minute": 2}
